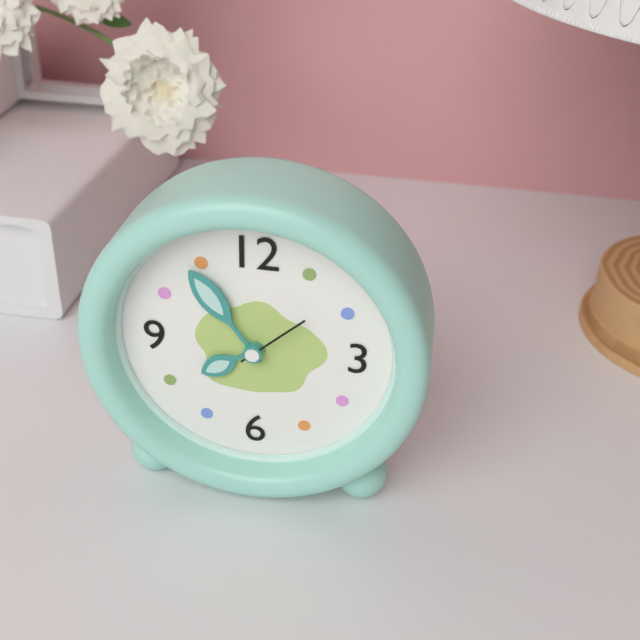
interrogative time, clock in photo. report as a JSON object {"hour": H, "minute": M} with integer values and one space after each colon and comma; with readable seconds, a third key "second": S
{"hour": 7, "minute": 54, "second": 8}
